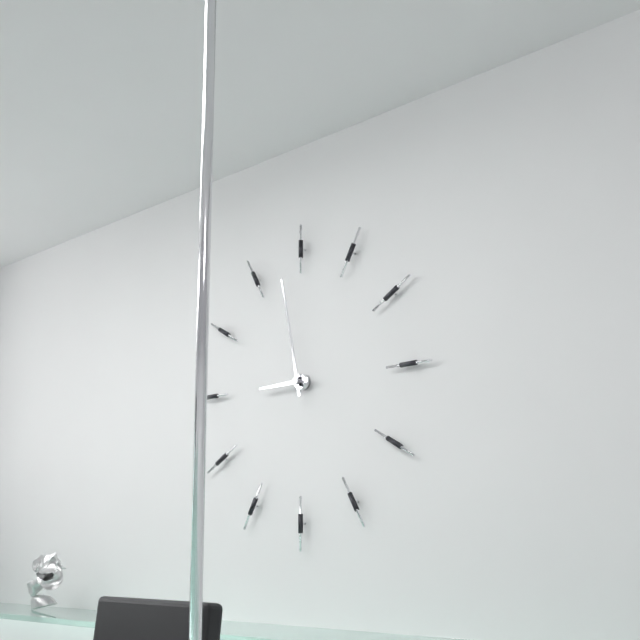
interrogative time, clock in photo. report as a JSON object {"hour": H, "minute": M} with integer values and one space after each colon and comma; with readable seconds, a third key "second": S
{"hour": 8, "minute": 58}
